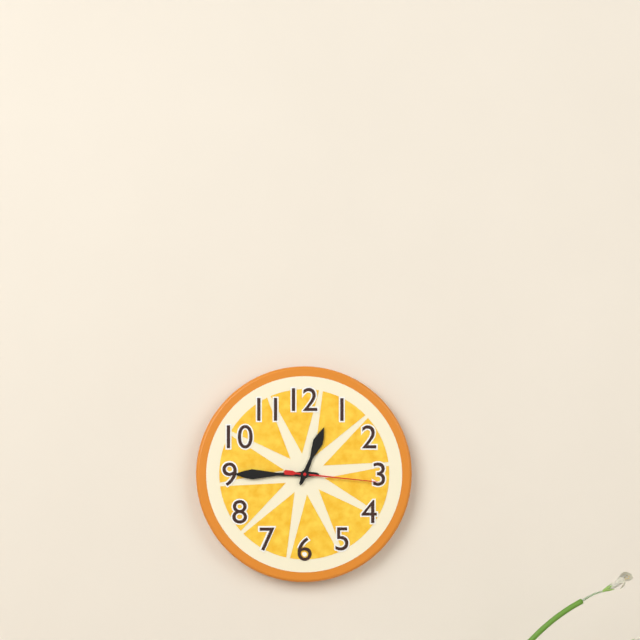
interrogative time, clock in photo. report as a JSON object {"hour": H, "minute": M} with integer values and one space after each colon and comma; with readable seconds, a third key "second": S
{"hour": 12, "minute": 45, "second": 16}
